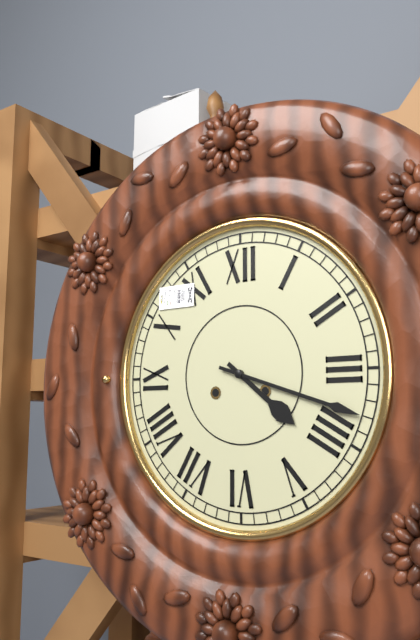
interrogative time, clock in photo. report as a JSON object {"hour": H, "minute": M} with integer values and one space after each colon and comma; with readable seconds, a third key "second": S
{"hour": 4, "minute": 18}
